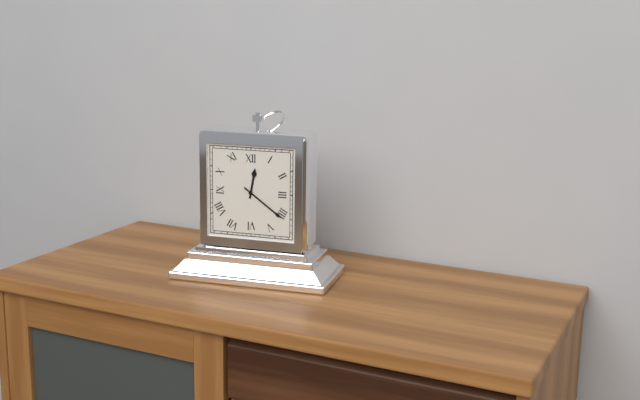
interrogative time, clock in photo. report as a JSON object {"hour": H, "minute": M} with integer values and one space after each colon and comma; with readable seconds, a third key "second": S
{"hour": 12, "minute": 21}
